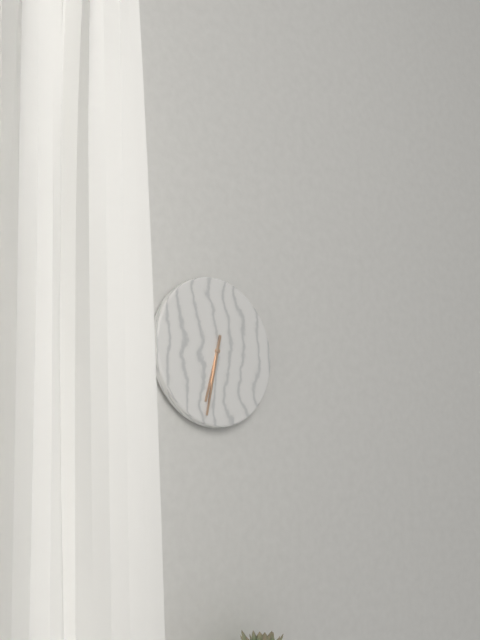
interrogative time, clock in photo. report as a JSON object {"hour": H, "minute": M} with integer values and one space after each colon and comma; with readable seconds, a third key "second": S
{"hour": 6, "minute": 32}
